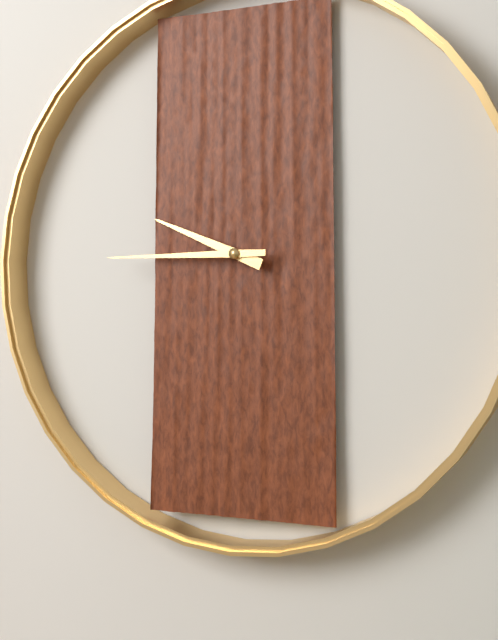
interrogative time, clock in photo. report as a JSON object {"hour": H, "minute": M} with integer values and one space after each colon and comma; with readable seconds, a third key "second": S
{"hour": 9, "minute": 45}
